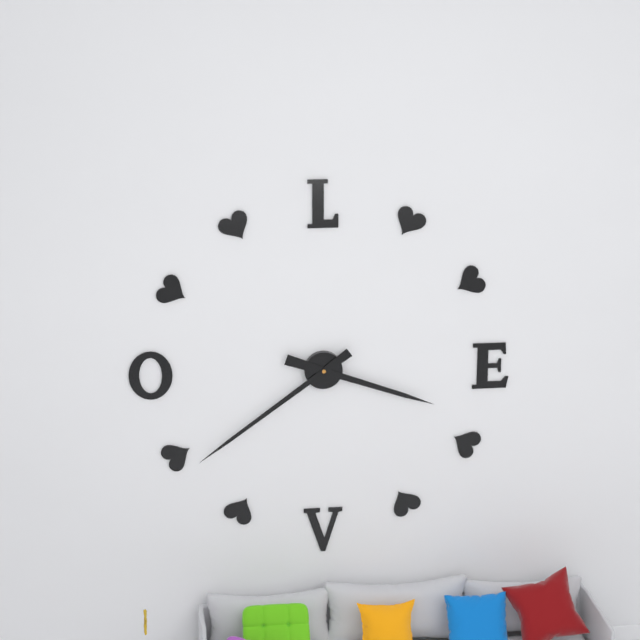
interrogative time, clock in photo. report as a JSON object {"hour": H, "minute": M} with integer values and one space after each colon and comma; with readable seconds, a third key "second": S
{"hour": 3, "minute": 39}
